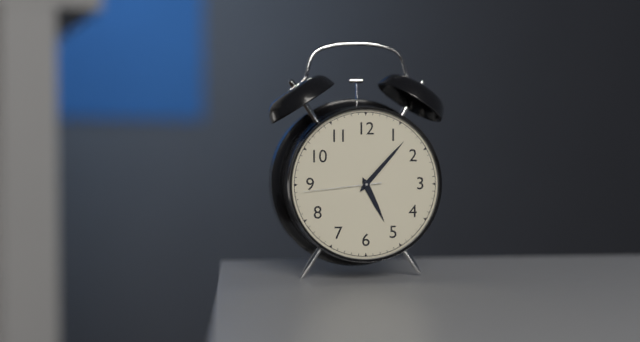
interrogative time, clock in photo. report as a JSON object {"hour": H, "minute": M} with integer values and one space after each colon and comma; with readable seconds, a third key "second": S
{"hour": 5, "minute": 7, "second": 44}
